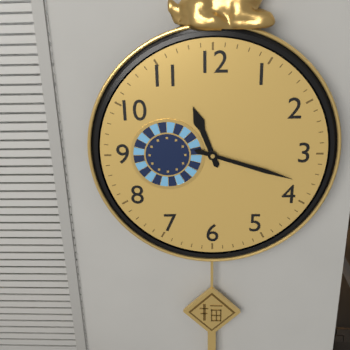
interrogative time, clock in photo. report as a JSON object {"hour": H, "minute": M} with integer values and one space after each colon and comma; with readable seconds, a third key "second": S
{"hour": 11, "minute": 18}
